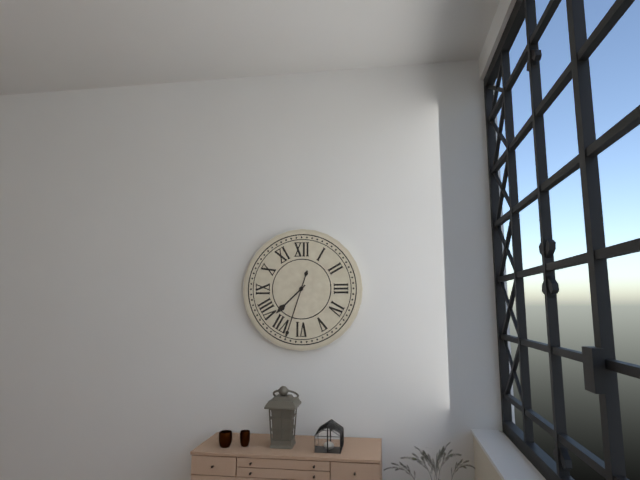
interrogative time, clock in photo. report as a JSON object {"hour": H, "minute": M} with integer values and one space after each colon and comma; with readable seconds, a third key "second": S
{"hour": 7, "minute": 33}
